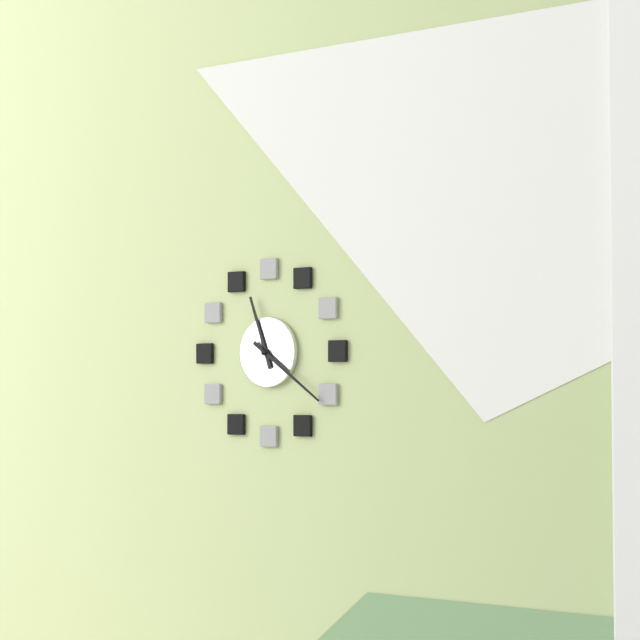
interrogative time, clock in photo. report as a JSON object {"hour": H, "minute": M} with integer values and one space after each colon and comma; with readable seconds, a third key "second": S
{"hour": 11, "minute": 21}
